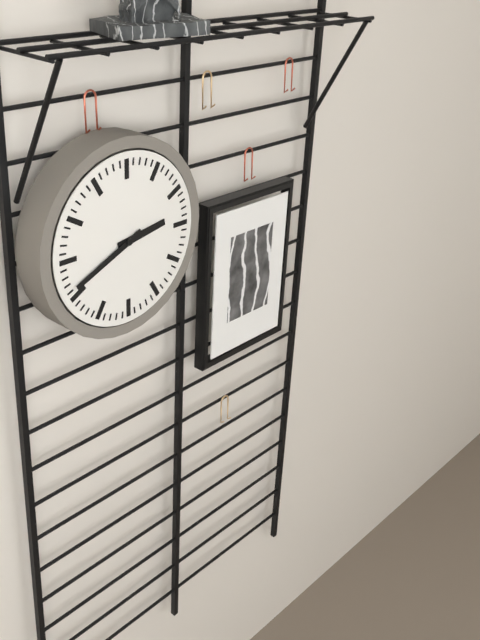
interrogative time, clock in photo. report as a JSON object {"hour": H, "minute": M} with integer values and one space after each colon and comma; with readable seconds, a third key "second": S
{"hour": 2, "minute": 41}
